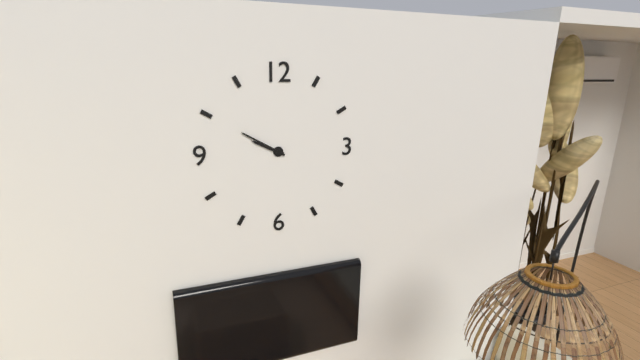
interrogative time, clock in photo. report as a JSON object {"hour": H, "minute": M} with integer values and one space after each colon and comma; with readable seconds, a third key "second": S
{"hour": 9, "minute": 50}
